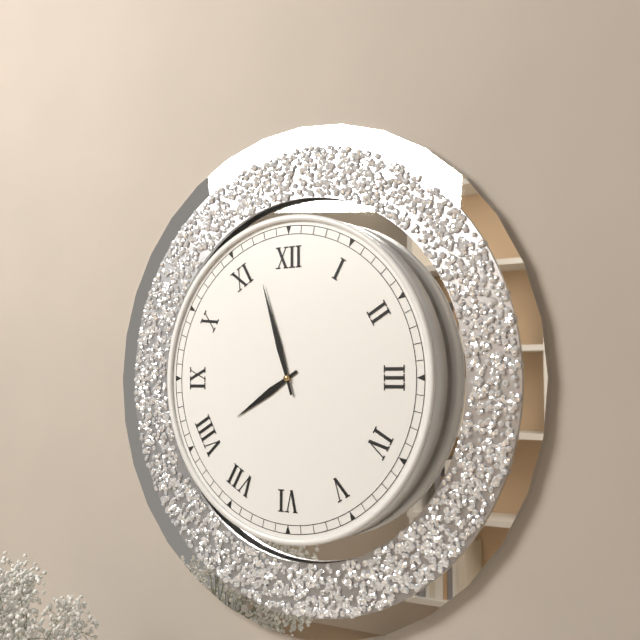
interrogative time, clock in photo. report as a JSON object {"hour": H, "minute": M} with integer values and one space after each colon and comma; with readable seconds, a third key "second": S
{"hour": 7, "minute": 57}
